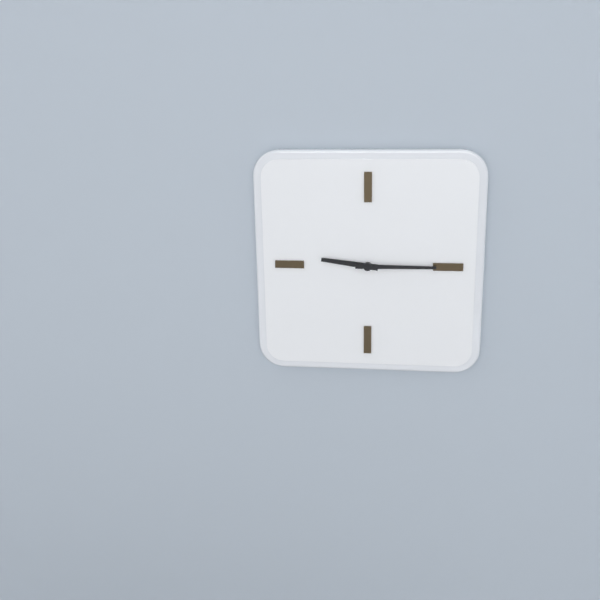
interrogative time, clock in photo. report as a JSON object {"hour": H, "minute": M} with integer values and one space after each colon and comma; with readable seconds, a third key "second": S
{"hour": 9, "minute": 15}
